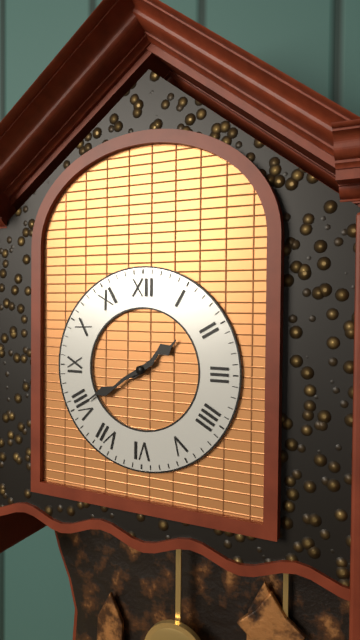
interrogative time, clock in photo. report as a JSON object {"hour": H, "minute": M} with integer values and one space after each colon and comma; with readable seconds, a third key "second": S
{"hour": 1, "minute": 40}
